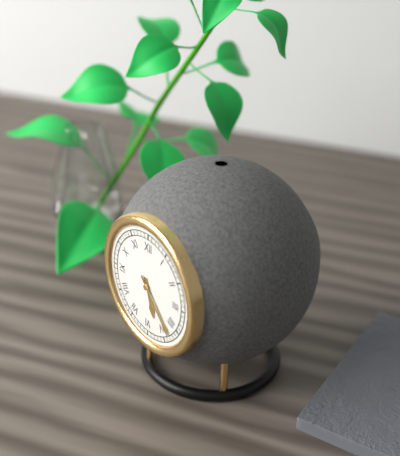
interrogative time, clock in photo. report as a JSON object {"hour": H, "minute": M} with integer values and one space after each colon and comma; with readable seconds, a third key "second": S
{"hour": 5, "minute": 23}
